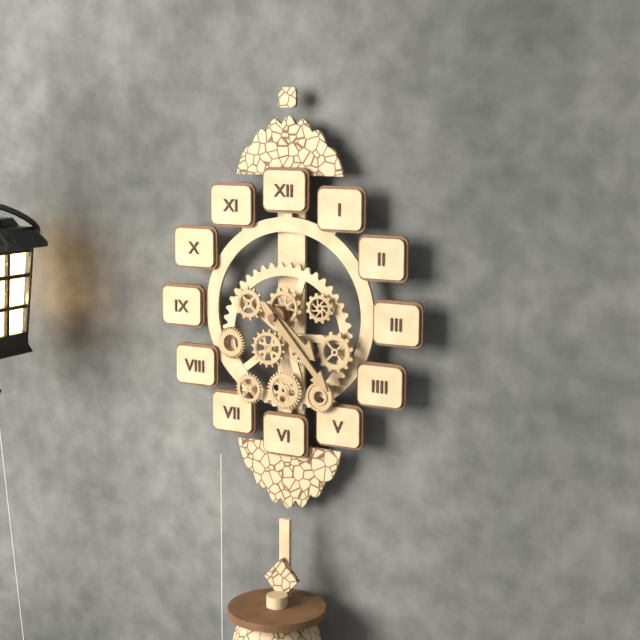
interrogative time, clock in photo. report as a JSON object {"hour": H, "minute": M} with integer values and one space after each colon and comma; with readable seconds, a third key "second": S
{"hour": 4, "minute": 23}
